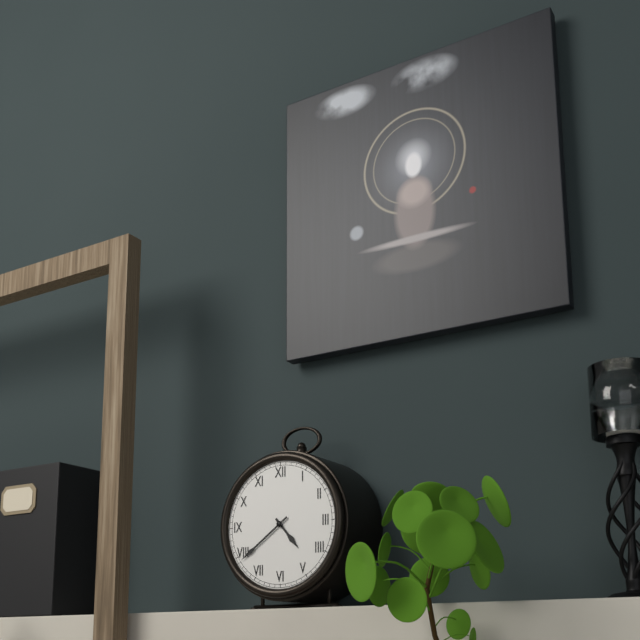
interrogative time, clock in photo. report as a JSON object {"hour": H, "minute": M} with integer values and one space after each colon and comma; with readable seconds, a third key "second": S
{"hour": 4, "minute": 39}
